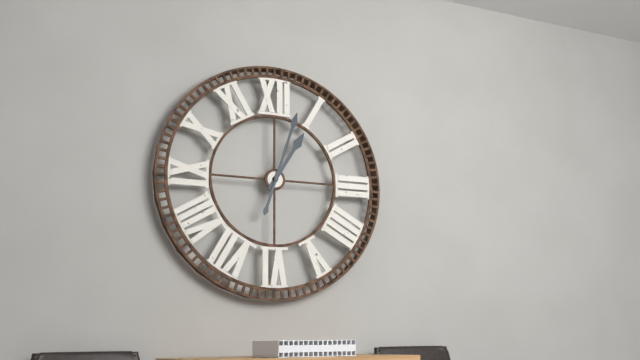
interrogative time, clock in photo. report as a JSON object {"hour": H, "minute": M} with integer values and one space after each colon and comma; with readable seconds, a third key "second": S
{"hour": 1, "minute": 3}
